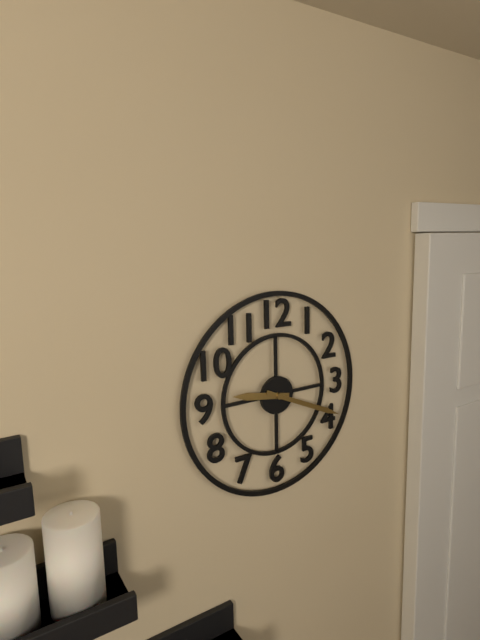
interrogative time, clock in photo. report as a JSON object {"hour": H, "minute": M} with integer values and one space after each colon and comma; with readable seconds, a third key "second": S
{"hour": 9, "minute": 19}
